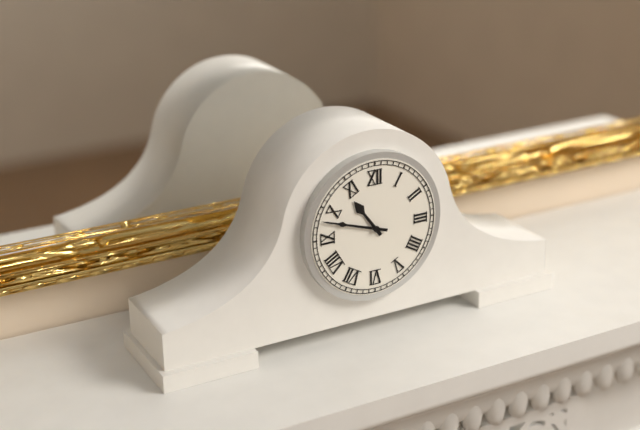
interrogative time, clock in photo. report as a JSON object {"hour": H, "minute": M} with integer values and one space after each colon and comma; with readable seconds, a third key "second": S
{"hour": 10, "minute": 48}
